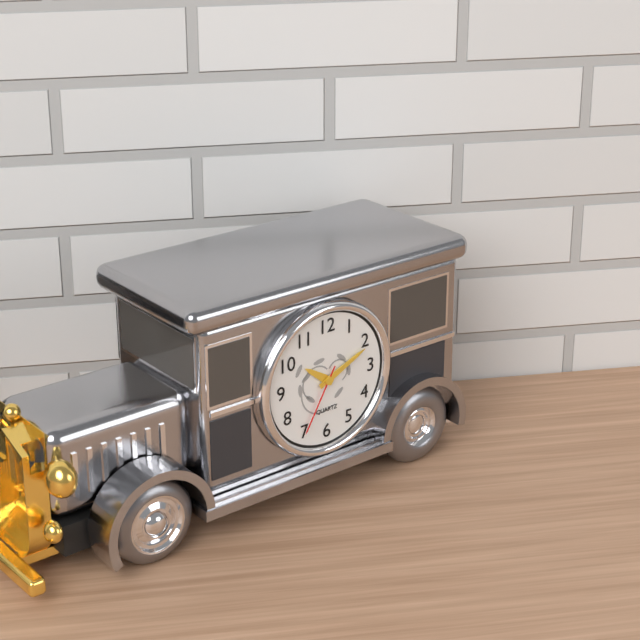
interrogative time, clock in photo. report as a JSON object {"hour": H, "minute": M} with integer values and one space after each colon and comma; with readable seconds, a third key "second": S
{"hour": 10, "minute": 11, "second": 35}
